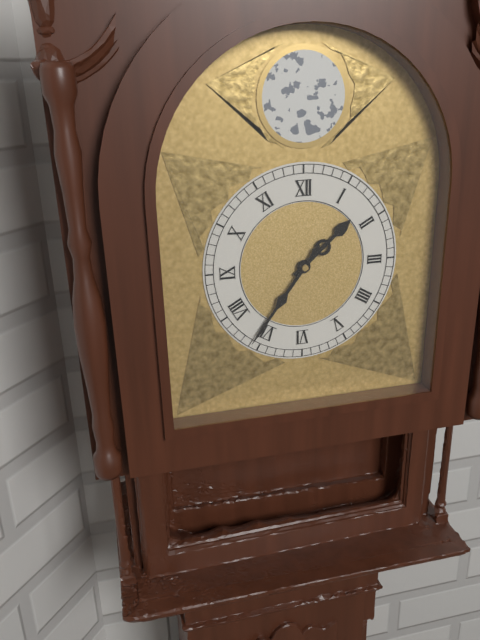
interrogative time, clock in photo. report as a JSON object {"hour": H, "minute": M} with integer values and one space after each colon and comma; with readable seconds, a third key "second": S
{"hour": 1, "minute": 36}
